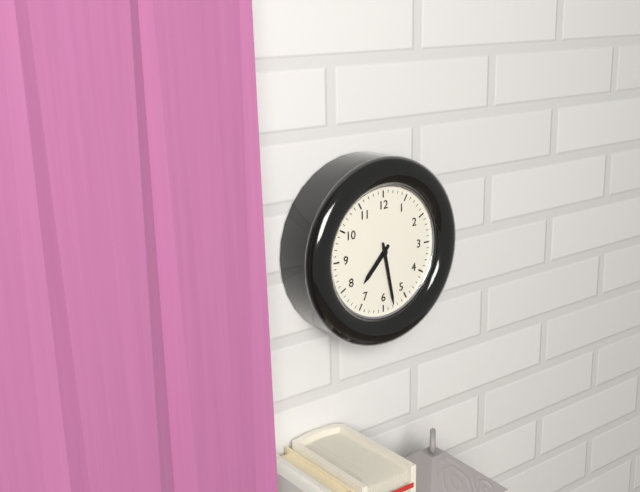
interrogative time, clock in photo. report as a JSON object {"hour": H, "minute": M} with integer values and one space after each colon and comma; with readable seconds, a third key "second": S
{"hour": 7, "minute": 28}
